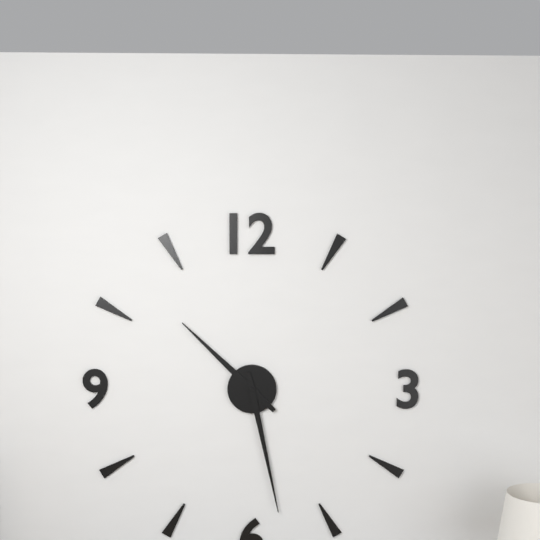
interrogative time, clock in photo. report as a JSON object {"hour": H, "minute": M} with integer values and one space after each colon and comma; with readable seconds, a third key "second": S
{"hour": 10, "minute": 28}
